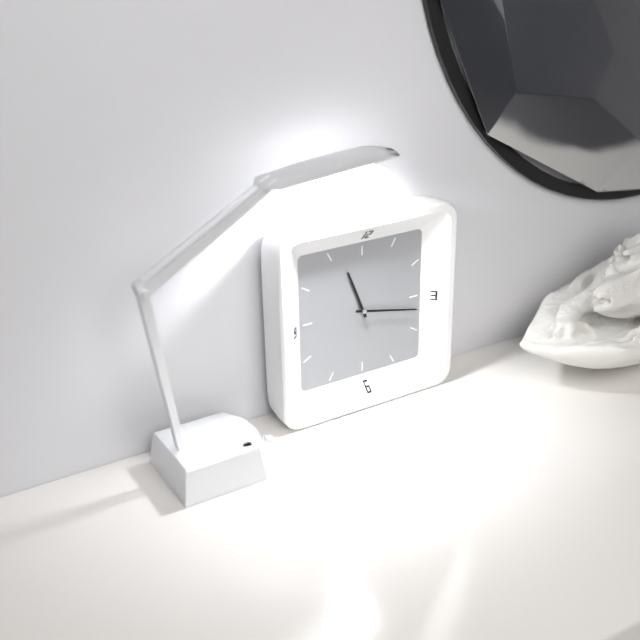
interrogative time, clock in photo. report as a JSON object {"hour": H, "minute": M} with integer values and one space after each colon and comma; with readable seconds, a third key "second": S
{"hour": 11, "minute": 17}
